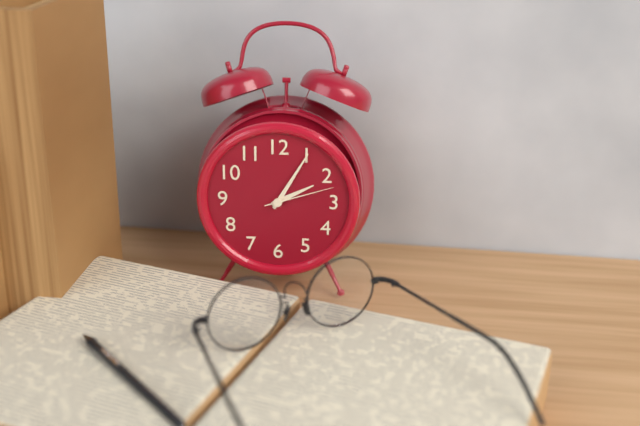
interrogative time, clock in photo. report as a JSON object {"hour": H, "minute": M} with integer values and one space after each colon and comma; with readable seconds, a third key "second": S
{"hour": 2, "minute": 5, "second": 12}
